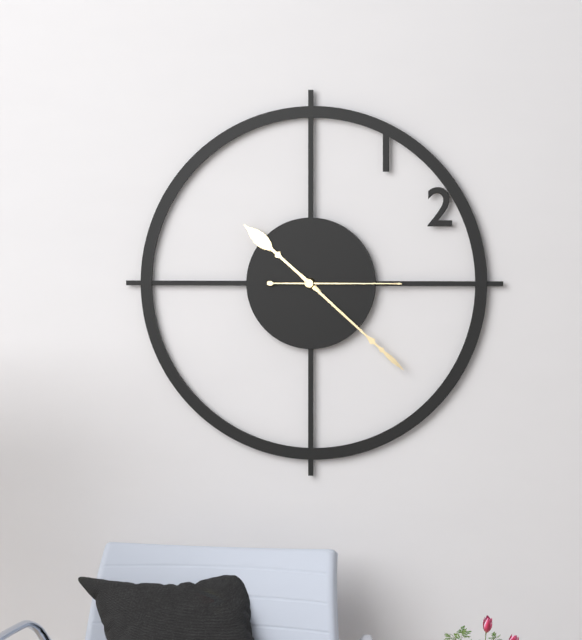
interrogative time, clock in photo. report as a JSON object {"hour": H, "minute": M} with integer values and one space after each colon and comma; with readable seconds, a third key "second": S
{"hour": 10, "minute": 22, "second": 15}
